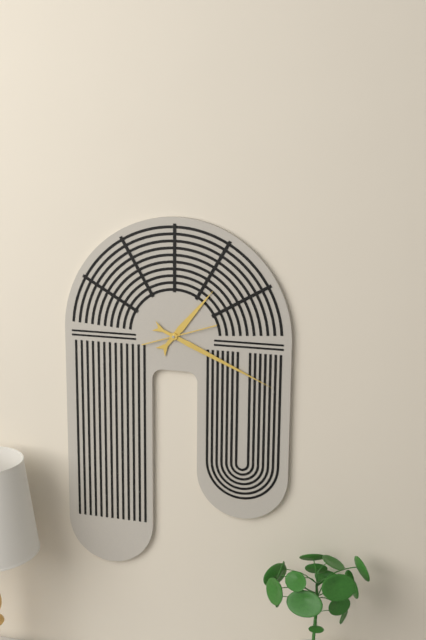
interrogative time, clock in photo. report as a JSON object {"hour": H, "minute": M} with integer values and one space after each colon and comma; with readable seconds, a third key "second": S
{"hour": 1, "minute": 19, "second": 12}
